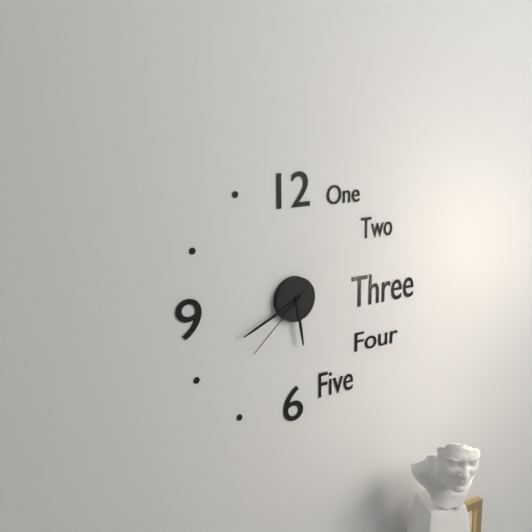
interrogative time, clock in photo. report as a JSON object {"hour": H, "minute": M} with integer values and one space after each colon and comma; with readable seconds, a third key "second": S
{"hour": 5, "minute": 41, "second": 38}
